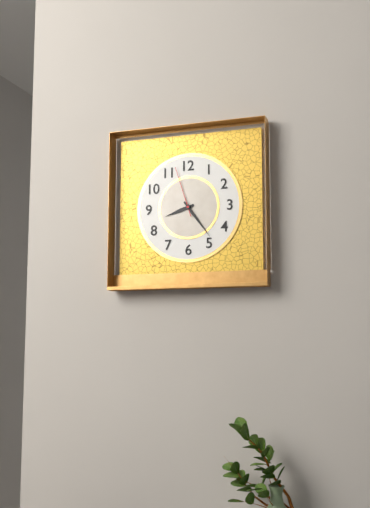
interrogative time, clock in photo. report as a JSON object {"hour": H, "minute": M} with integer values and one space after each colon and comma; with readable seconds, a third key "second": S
{"hour": 8, "minute": 24, "second": 57}
